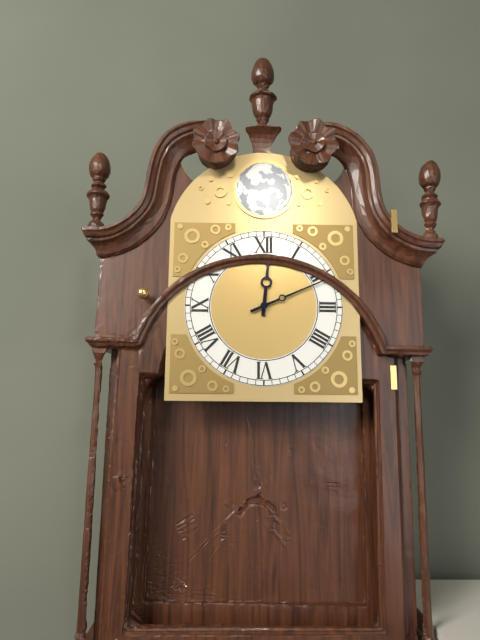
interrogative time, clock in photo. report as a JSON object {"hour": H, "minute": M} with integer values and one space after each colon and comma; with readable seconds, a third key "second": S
{"hour": 12, "minute": 11}
